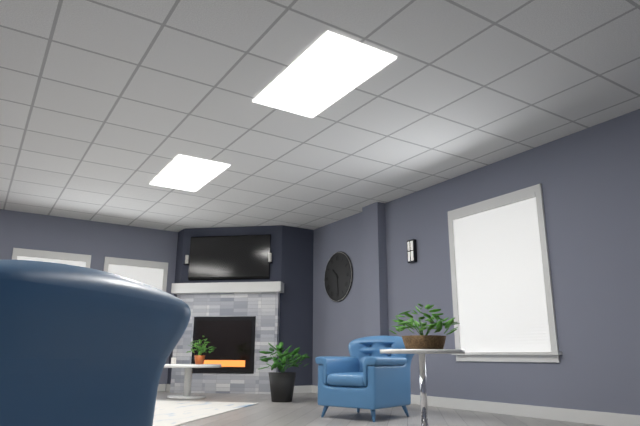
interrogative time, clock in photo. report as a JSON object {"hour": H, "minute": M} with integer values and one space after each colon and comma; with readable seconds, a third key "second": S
{"hour": 10, "minute": 29}
